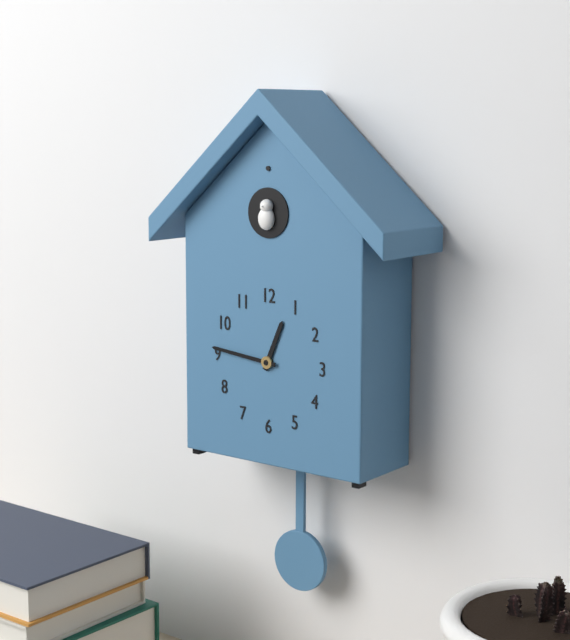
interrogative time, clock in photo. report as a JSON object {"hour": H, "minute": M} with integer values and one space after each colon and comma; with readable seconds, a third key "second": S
{"hour": 12, "minute": 46}
